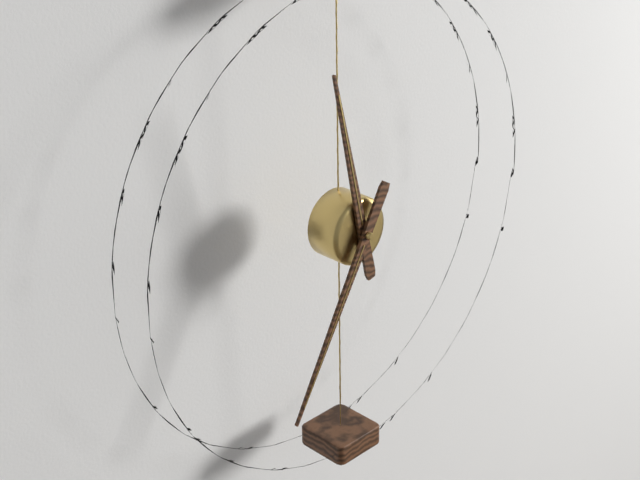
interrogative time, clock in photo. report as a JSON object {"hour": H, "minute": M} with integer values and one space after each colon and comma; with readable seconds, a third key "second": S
{"hour": 11, "minute": 35}
